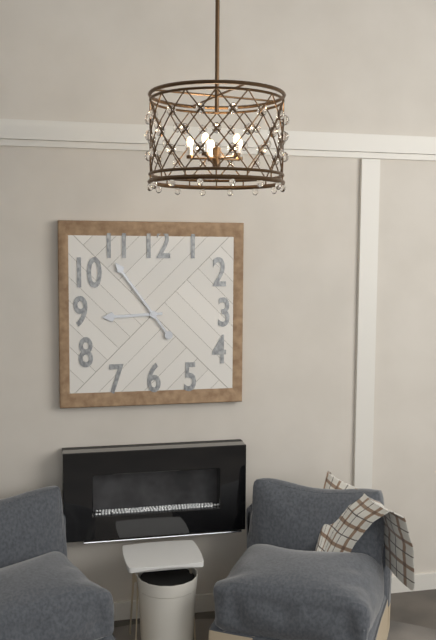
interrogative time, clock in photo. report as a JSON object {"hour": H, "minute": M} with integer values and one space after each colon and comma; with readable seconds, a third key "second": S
{"hour": 8, "minute": 54}
